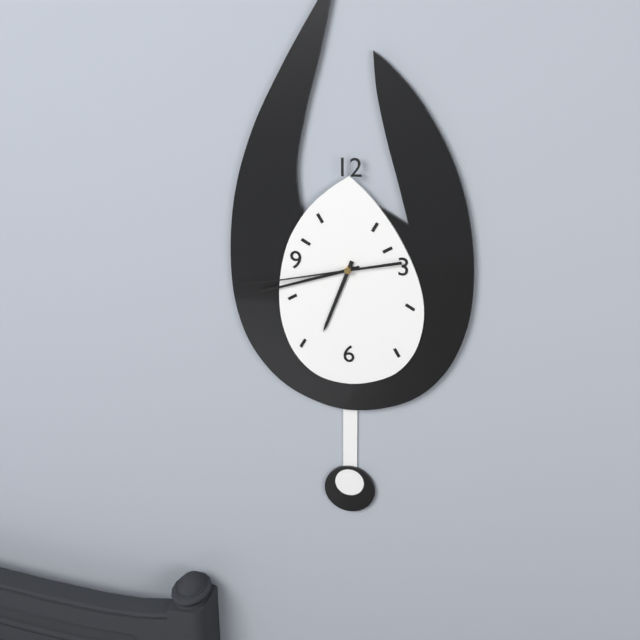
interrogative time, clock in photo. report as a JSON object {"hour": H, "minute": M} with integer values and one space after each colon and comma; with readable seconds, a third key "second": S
{"hour": 6, "minute": 42, "second": 43}
